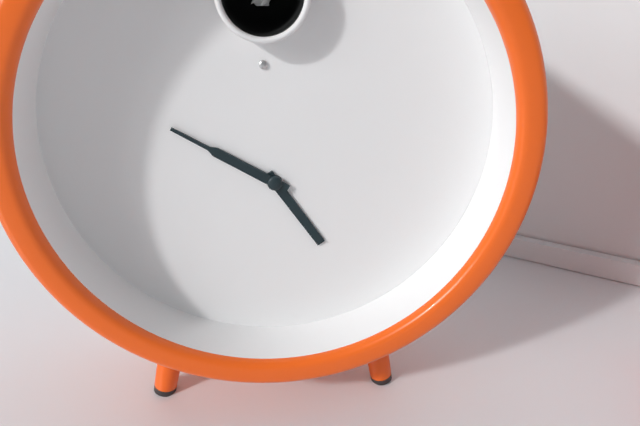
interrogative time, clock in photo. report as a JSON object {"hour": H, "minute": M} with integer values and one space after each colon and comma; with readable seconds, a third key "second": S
{"hour": 4, "minute": 50}
